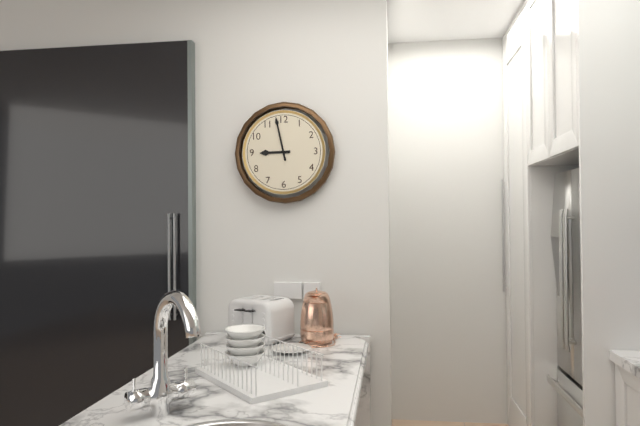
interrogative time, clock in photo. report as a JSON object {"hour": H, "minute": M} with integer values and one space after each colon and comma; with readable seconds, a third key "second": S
{"hour": 8, "minute": 58}
